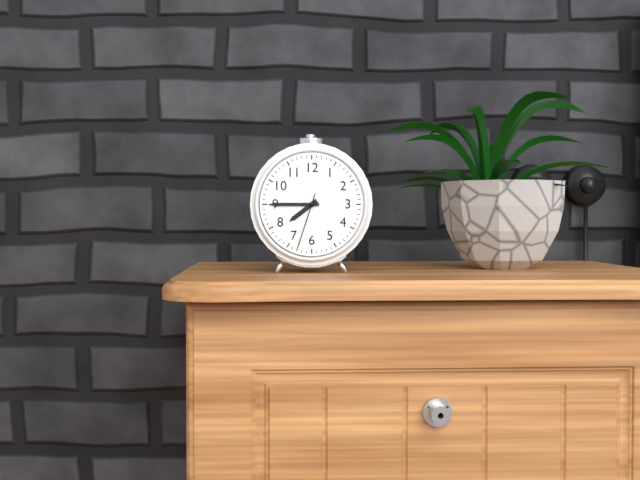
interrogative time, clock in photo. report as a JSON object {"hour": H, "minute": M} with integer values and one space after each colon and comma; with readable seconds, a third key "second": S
{"hour": 7, "minute": 45, "second": 33}
